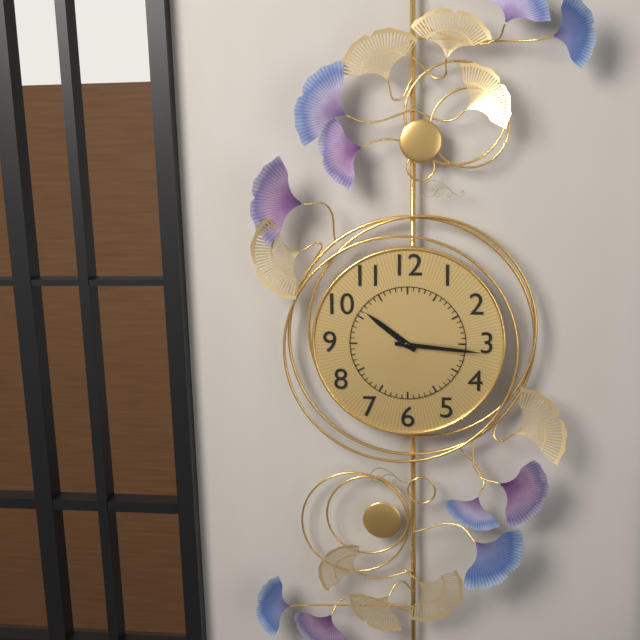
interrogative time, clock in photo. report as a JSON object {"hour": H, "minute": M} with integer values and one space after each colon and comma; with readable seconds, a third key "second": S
{"hour": 10, "minute": 16}
